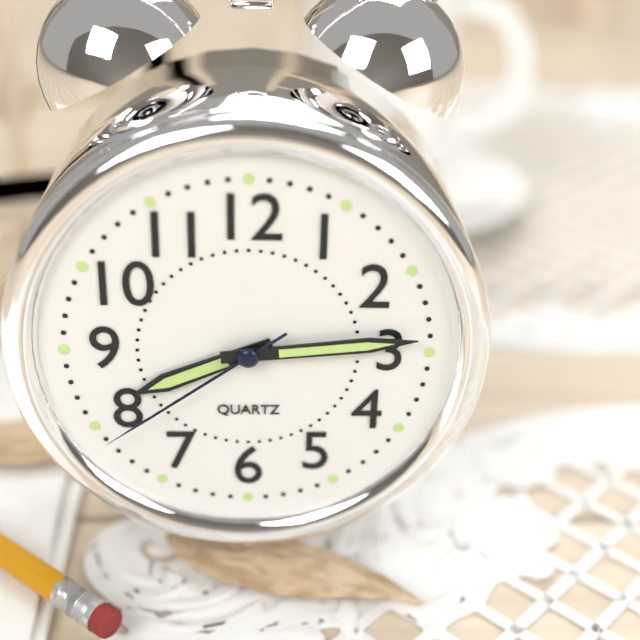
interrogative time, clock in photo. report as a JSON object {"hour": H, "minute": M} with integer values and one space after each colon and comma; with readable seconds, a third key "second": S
{"hour": 8, "minute": 14, "second": 39}
